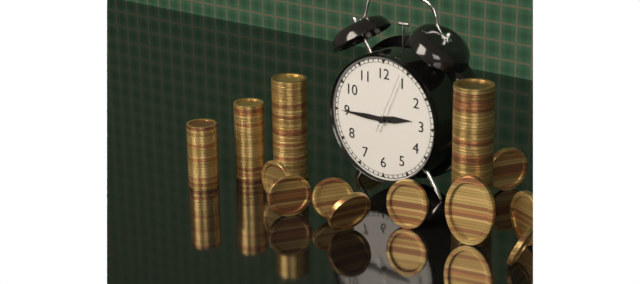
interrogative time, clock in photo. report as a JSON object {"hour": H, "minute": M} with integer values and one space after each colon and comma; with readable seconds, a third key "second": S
{"hour": 2, "minute": 45, "second": 4}
